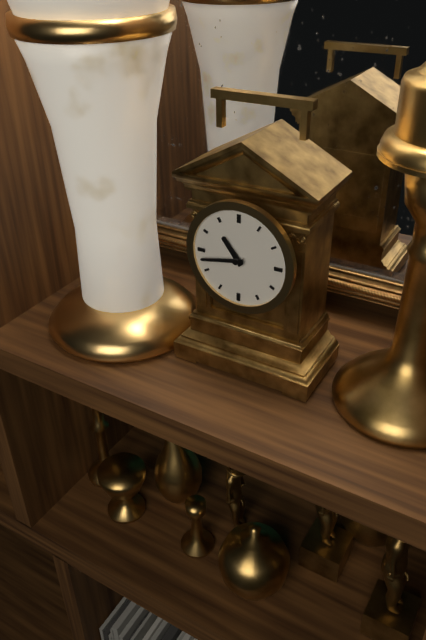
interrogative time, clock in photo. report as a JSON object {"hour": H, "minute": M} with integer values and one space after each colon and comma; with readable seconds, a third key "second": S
{"hour": 10, "minute": 43}
